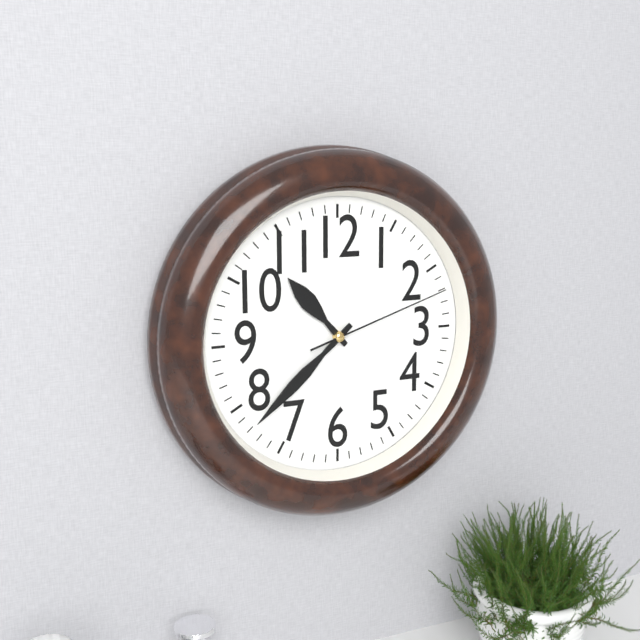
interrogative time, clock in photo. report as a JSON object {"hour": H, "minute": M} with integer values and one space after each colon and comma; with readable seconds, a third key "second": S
{"hour": 10, "minute": 38, "second": 12}
